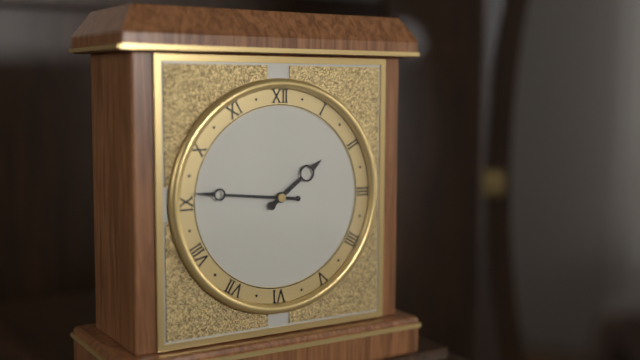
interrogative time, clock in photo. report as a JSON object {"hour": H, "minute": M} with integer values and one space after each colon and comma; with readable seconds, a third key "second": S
{"hour": 1, "minute": 46}
